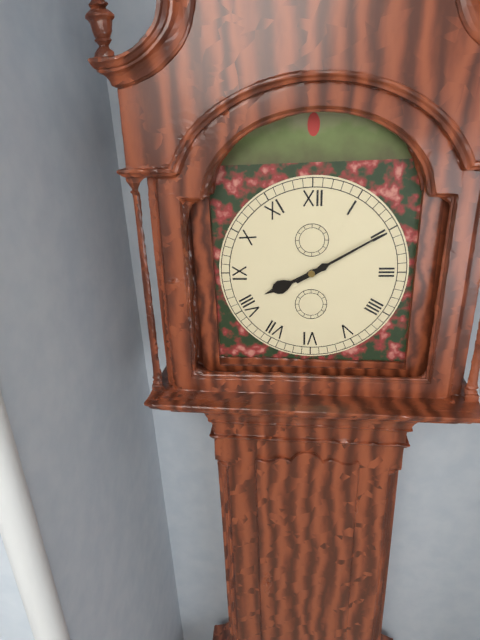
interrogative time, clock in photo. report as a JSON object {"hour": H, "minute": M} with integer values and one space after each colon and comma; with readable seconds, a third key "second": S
{"hour": 8, "minute": 10}
